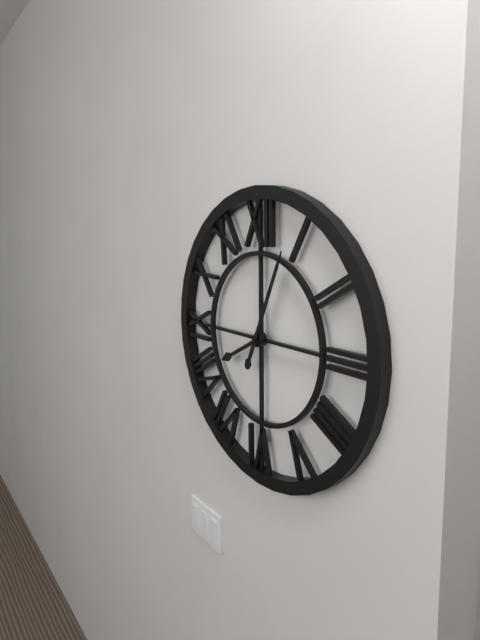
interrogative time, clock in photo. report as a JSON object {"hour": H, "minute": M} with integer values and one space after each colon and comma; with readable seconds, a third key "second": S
{"hour": 8, "minute": 4}
